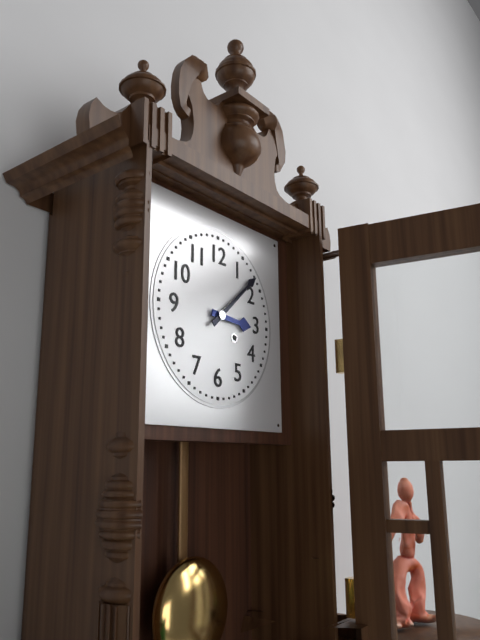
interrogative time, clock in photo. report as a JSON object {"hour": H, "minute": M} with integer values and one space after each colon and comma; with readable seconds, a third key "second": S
{"hour": 3, "minute": 8}
